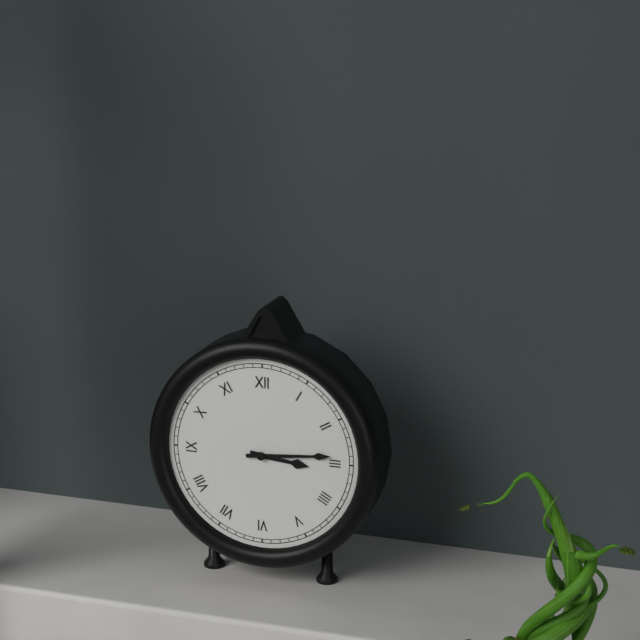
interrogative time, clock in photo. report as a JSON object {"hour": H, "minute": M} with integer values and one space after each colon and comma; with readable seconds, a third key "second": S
{"hour": 3, "minute": 14}
